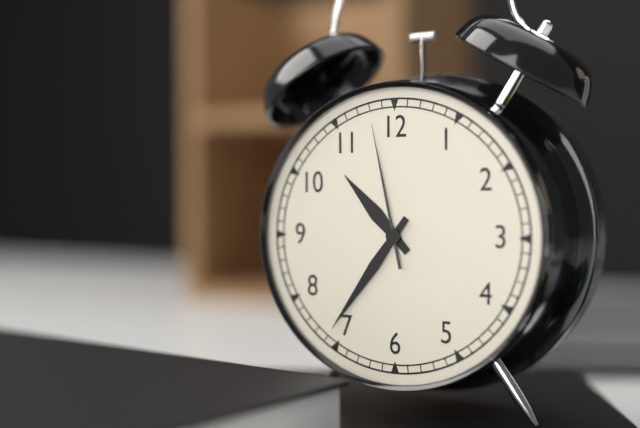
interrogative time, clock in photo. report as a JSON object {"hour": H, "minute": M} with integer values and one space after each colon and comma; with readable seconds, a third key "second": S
{"hour": 10, "minute": 36, "second": 58}
